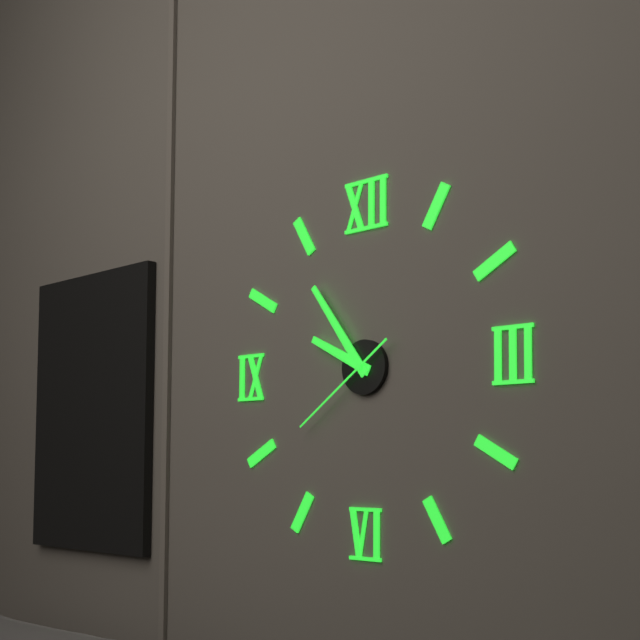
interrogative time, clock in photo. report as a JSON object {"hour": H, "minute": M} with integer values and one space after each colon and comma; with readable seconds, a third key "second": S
{"hour": 9, "minute": 54, "second": 39}
